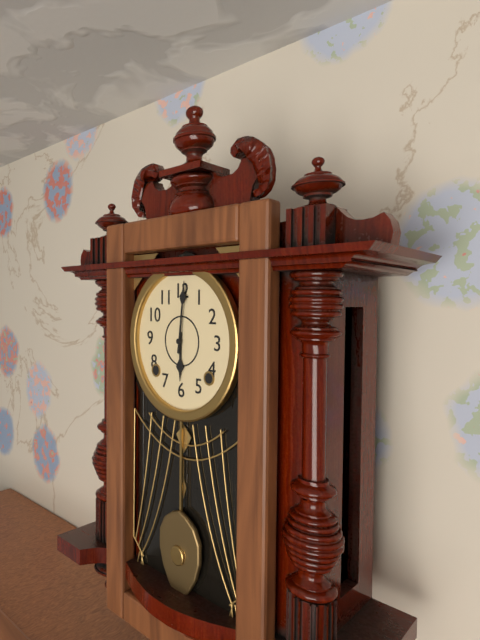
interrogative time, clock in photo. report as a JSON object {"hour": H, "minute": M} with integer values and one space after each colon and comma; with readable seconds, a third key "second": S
{"hour": 6, "minute": 1}
